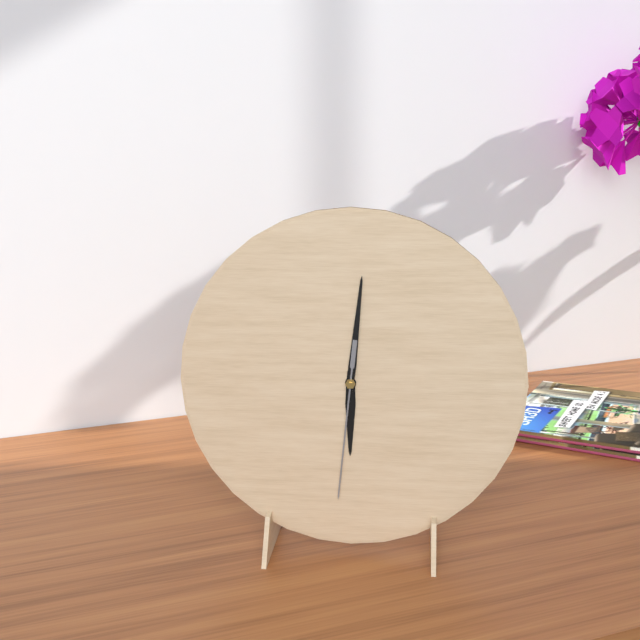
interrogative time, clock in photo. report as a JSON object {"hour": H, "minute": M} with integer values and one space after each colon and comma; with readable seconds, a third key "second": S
{"hour": 6, "minute": 1, "second": 31}
